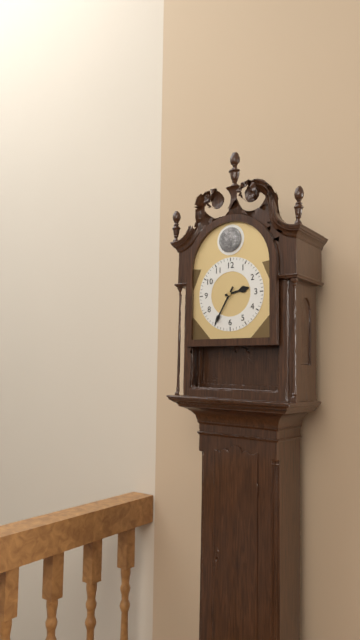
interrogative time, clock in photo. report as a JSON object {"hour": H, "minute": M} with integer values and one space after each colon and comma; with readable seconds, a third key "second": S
{"hour": 2, "minute": 35}
